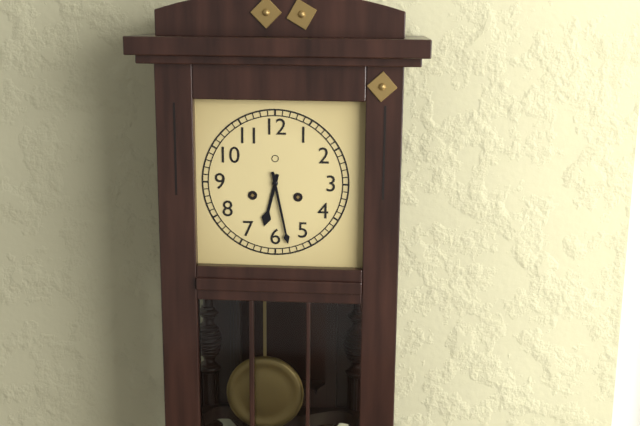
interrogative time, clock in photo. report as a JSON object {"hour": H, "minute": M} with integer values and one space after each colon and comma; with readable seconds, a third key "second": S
{"hour": 6, "minute": 28}
